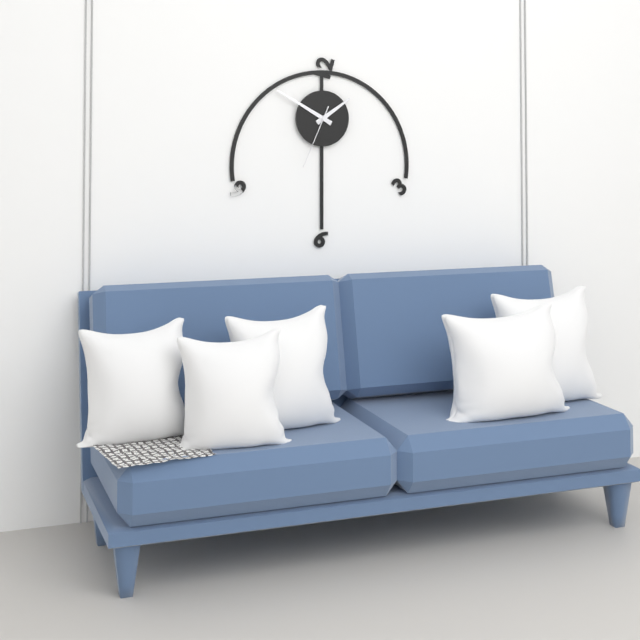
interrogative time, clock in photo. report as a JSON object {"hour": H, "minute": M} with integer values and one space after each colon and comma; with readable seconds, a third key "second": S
{"hour": 1, "minute": 50, "second": 34}
